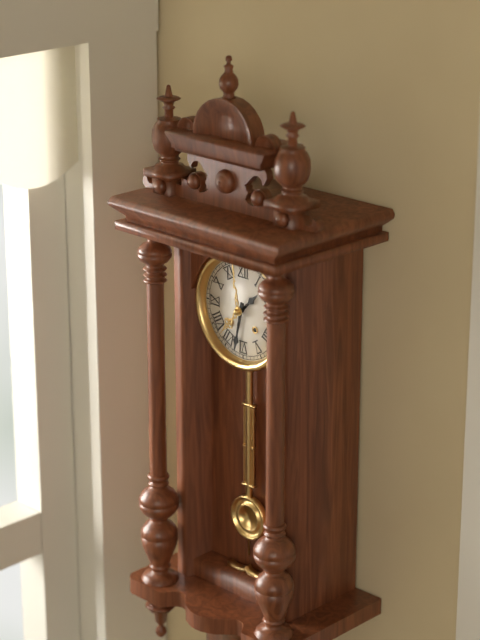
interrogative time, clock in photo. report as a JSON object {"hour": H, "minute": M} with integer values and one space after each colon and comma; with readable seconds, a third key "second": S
{"hour": 1, "minute": 32}
